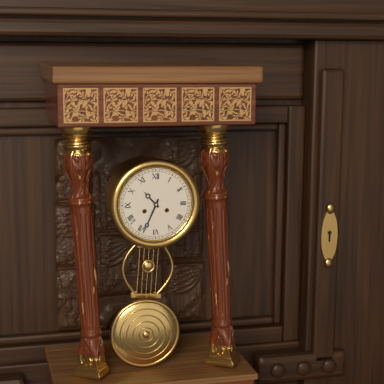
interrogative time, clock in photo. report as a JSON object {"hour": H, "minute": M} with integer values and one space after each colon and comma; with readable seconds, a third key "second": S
{"hour": 10, "minute": 34}
